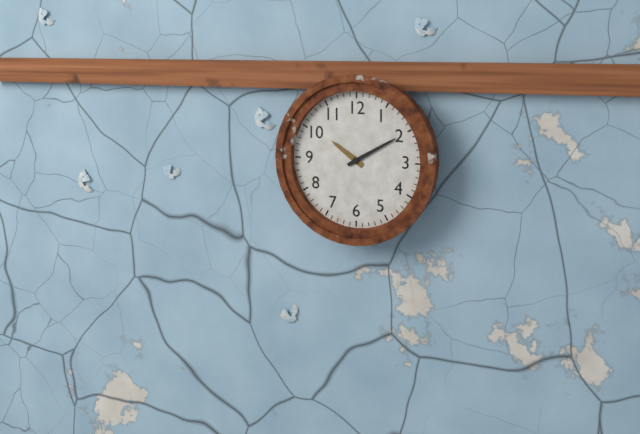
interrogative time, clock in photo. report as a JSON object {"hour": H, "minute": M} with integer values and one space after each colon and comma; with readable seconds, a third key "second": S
{"hour": 10, "minute": 10}
